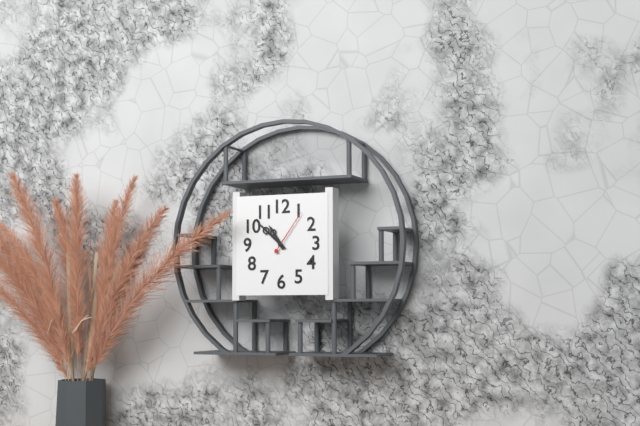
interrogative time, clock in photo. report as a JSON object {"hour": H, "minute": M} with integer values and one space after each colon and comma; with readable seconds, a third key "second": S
{"hour": 10, "minute": 52}
